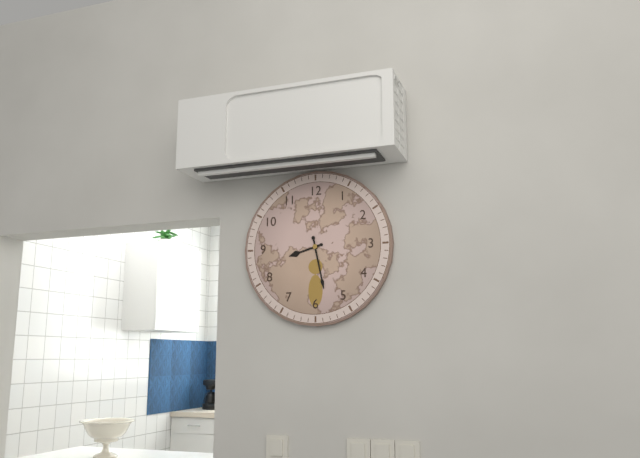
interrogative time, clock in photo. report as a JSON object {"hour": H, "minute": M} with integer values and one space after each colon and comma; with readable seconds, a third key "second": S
{"hour": 8, "minute": 28}
